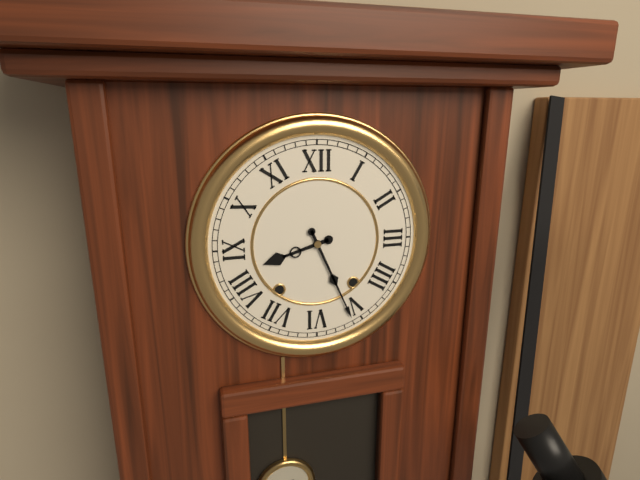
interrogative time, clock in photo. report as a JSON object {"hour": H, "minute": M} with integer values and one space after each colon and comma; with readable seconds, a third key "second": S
{"hour": 8, "minute": 26}
